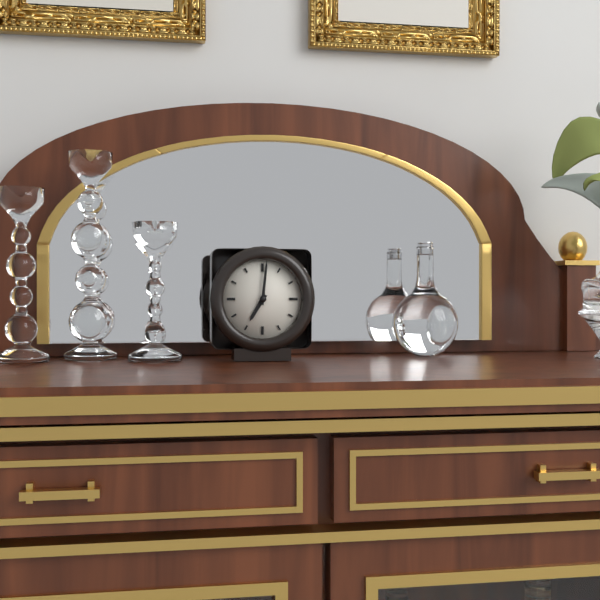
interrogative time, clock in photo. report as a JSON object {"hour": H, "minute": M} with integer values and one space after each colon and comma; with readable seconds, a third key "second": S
{"hour": 7, "minute": 1}
